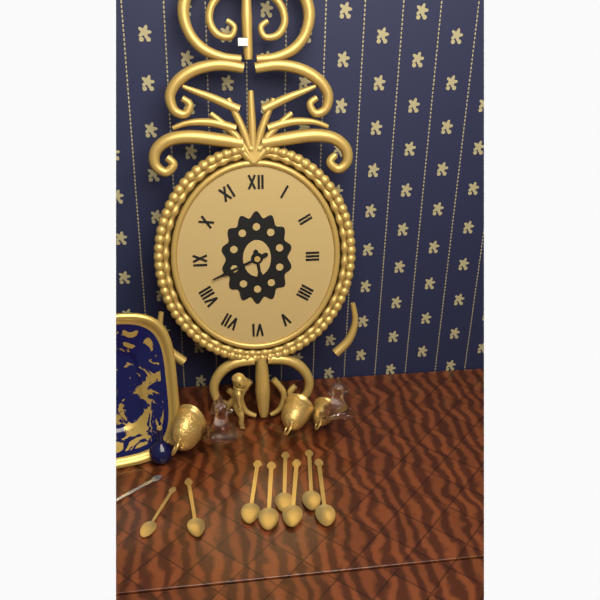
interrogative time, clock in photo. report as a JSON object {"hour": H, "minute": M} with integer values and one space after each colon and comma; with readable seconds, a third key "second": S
{"hour": 5, "minute": 41}
